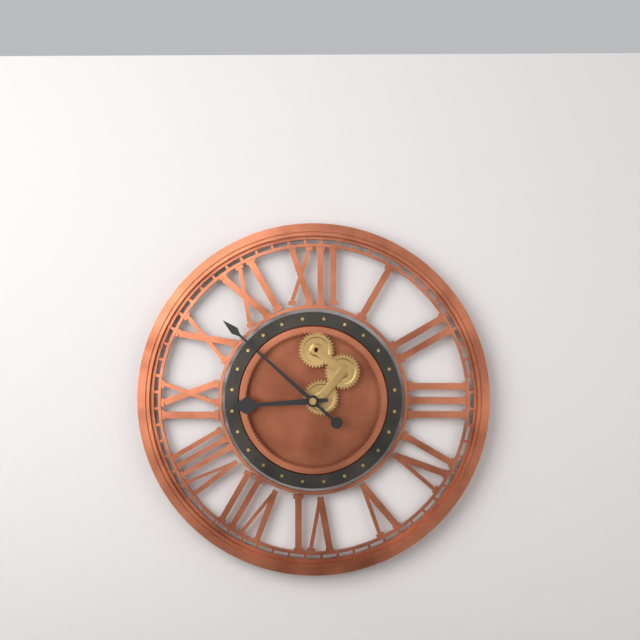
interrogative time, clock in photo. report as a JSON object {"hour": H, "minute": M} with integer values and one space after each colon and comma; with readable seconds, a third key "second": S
{"hour": 8, "minute": 52}
